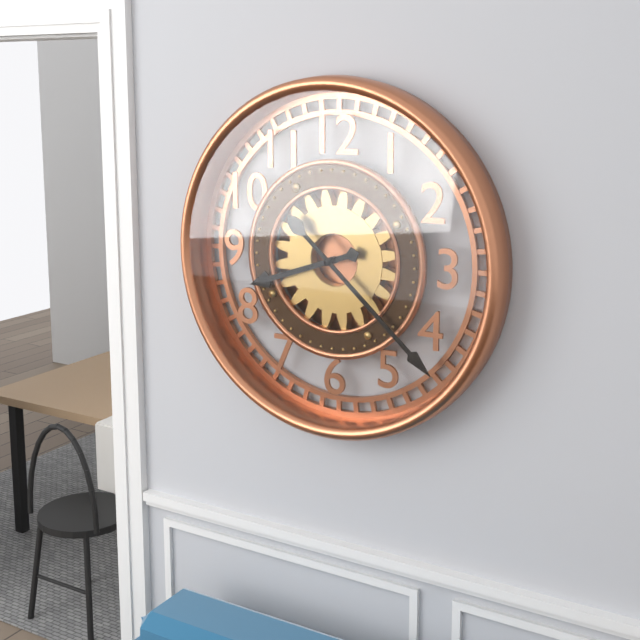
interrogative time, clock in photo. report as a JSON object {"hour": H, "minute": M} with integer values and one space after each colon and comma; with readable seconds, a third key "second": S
{"hour": 8, "minute": 22}
